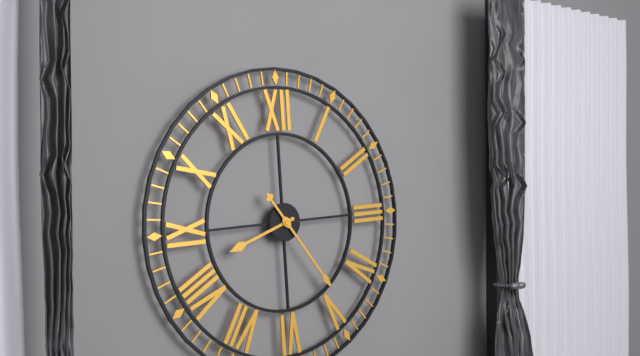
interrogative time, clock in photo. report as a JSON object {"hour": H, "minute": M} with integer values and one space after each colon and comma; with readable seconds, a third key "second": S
{"hour": 8, "minute": 24}
